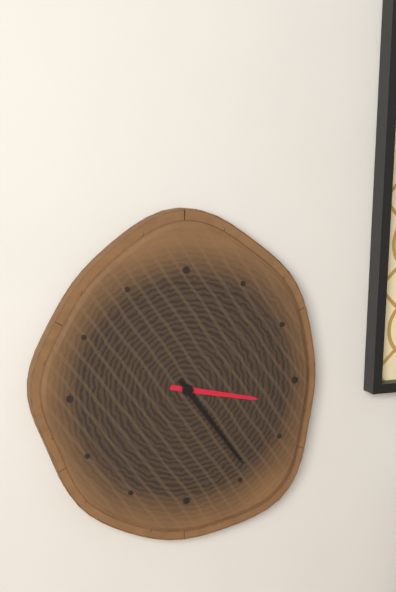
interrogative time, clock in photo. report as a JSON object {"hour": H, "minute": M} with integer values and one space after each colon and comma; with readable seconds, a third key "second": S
{"hour": 3, "minute": 24}
